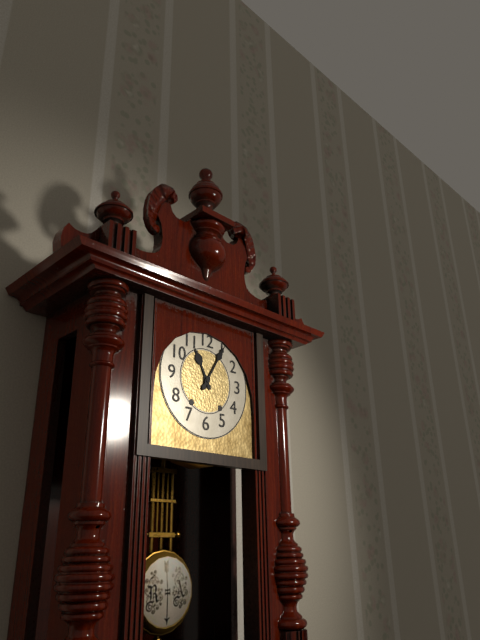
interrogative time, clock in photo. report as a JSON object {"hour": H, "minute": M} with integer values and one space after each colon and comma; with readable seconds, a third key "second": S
{"hour": 11, "minute": 5}
